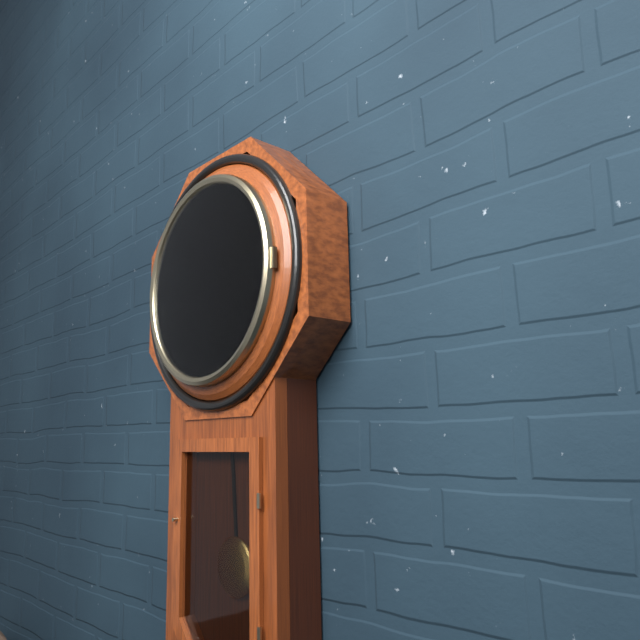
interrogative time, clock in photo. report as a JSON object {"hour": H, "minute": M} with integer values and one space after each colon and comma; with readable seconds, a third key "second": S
{"hour": 8, "minute": 52}
